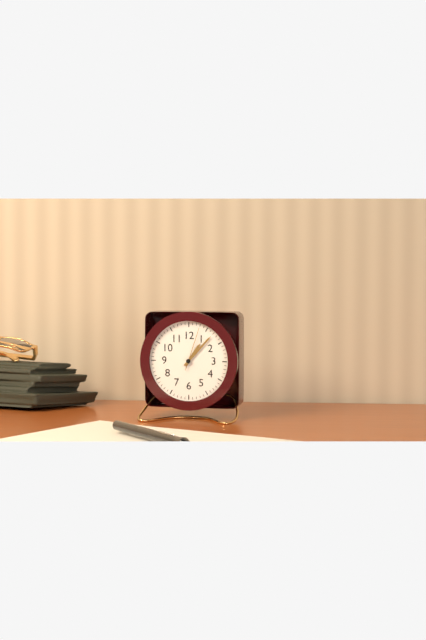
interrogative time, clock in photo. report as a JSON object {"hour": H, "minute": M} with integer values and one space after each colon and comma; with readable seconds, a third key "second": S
{"hour": 1, "minute": 7}
